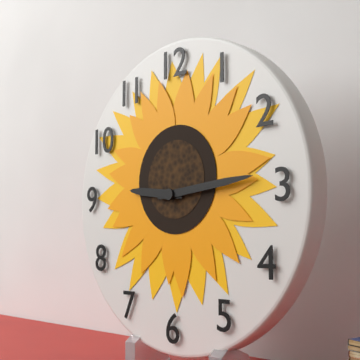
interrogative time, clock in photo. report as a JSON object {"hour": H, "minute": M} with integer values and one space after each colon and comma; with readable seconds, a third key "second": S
{"hour": 9, "minute": 14}
